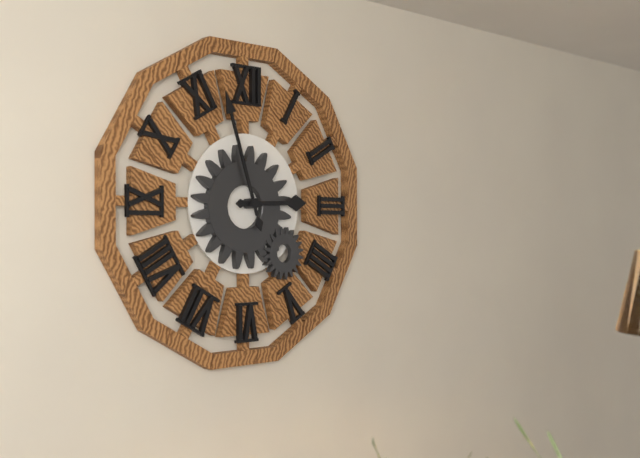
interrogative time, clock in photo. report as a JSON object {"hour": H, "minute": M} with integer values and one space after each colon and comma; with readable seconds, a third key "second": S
{"hour": 2, "minute": 57}
